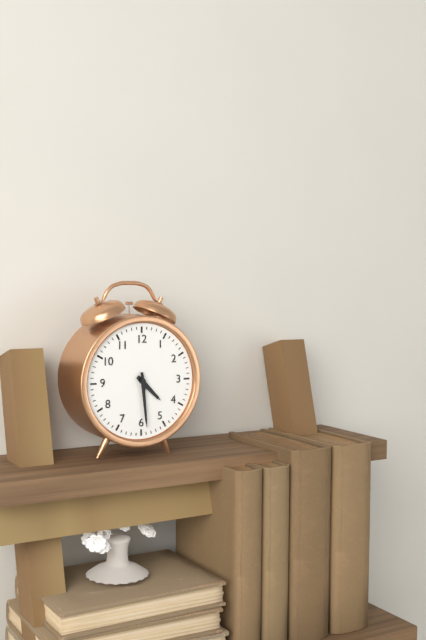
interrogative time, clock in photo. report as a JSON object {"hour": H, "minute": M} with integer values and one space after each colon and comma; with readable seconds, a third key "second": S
{"hour": 4, "minute": 29}
